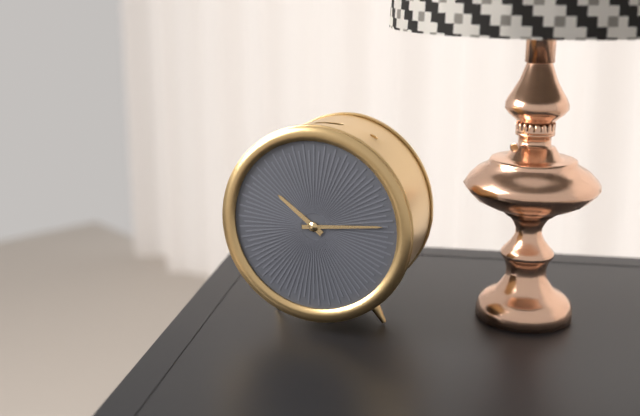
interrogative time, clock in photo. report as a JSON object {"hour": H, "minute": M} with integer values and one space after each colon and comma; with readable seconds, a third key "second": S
{"hour": 10, "minute": 14}
